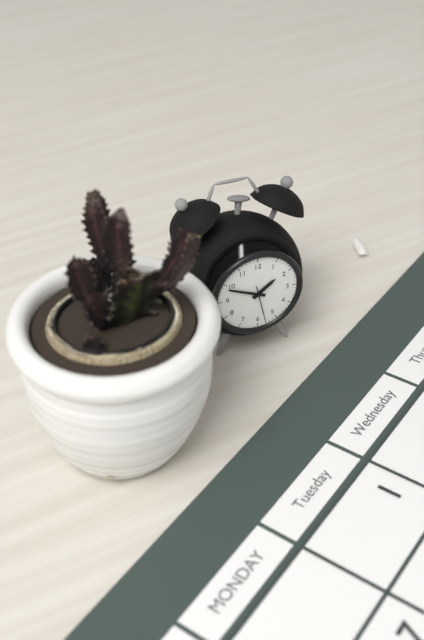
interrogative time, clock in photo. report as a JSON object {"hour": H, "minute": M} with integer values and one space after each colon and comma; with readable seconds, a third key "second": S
{"hour": 1, "minute": 49}
